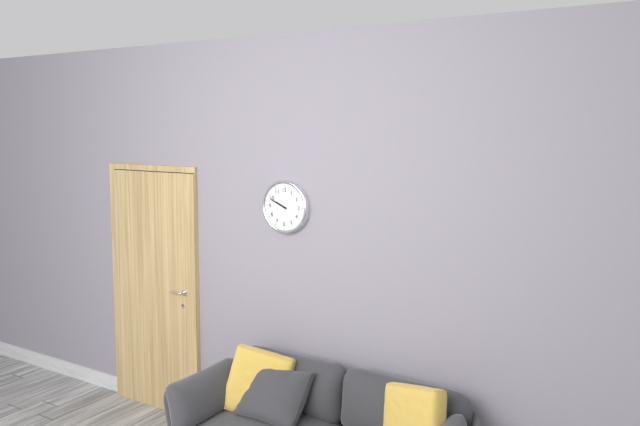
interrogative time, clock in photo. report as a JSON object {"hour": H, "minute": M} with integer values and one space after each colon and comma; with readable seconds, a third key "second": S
{"hour": 9, "minute": 49}
